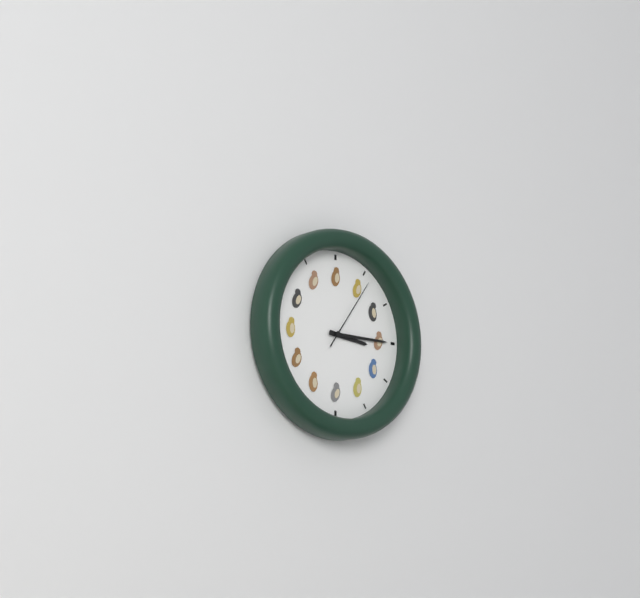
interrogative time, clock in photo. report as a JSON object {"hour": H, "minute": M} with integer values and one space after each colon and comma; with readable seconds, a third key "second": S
{"hour": 3, "minute": 15, "second": 6}
